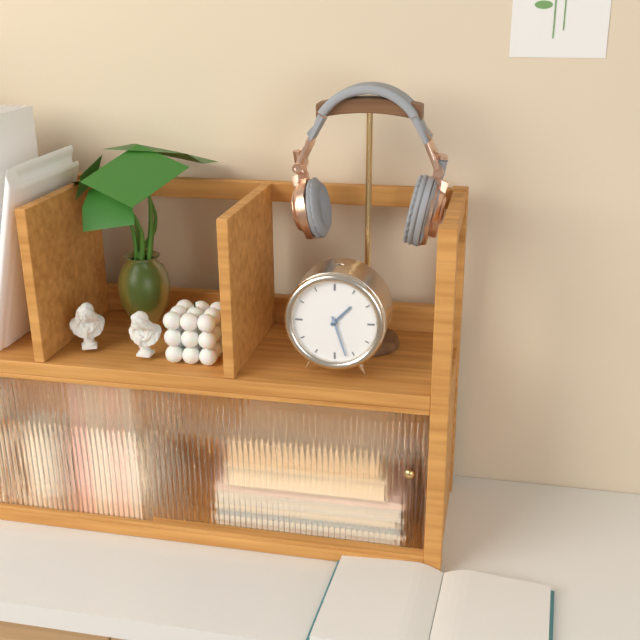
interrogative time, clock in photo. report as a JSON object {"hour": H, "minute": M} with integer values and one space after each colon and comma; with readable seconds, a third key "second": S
{"hour": 1, "minute": 27}
